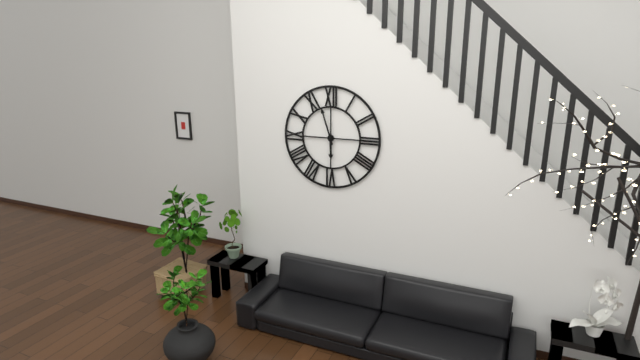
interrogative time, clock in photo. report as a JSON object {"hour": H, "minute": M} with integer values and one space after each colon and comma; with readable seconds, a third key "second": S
{"hour": 5, "minute": 57}
